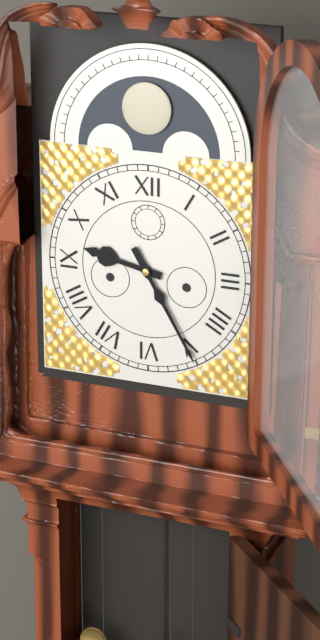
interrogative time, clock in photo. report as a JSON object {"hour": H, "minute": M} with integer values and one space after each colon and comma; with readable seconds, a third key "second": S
{"hour": 9, "minute": 25}
